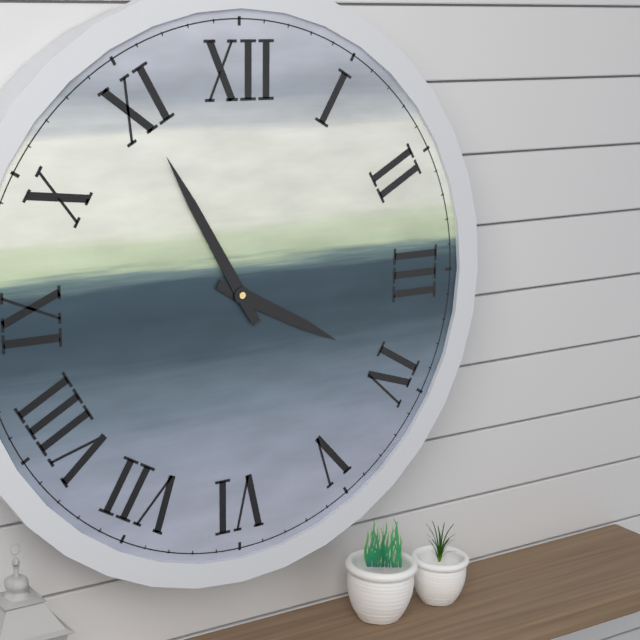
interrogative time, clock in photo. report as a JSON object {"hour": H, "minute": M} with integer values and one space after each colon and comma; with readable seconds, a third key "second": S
{"hour": 3, "minute": 55}
